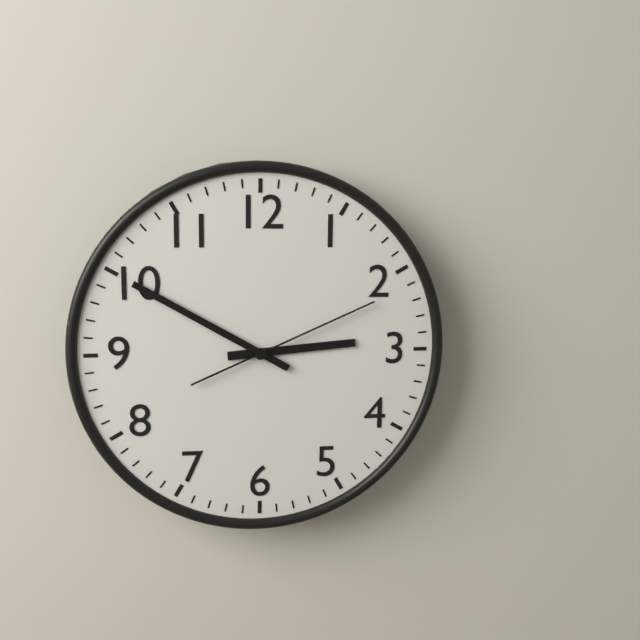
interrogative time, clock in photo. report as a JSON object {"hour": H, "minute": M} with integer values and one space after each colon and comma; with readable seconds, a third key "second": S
{"hour": 2, "minute": 50, "second": 11}
